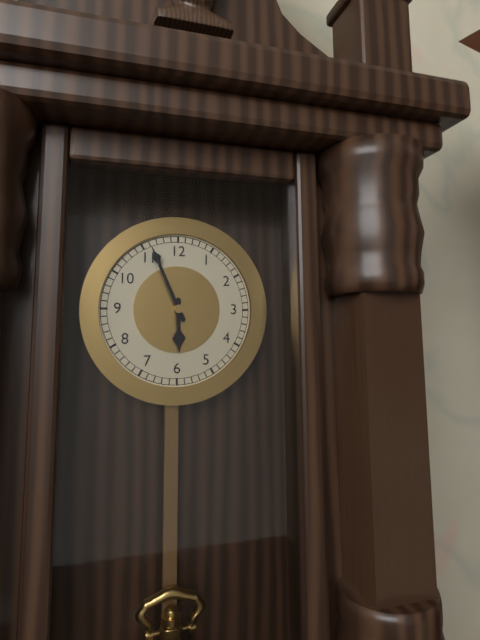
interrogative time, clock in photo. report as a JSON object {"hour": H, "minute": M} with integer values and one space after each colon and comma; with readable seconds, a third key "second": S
{"hour": 5, "minute": 56}
